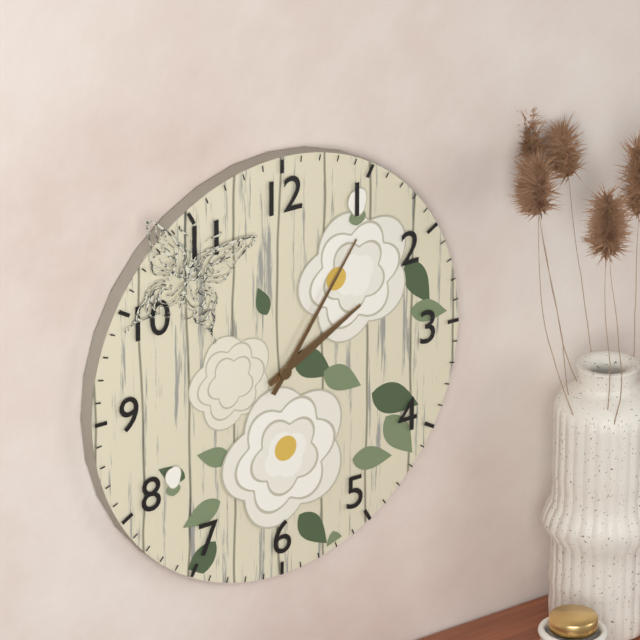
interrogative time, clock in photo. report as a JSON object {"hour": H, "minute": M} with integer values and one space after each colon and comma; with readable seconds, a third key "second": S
{"hour": 2, "minute": 6}
